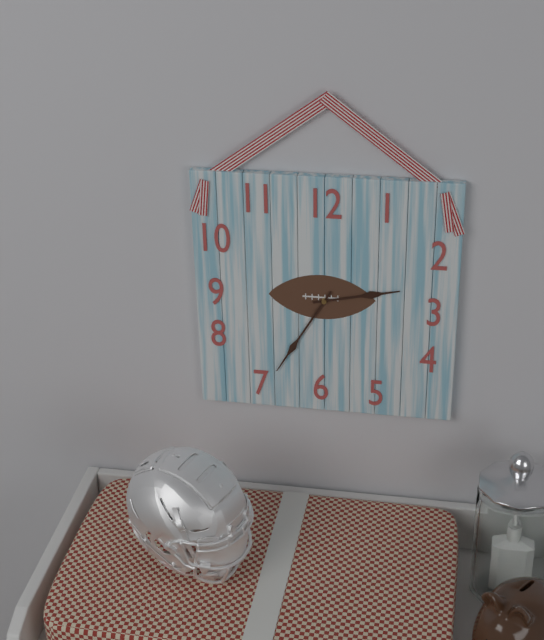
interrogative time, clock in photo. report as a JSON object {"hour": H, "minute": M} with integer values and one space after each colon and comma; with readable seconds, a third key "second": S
{"hour": 2, "minute": 35}
